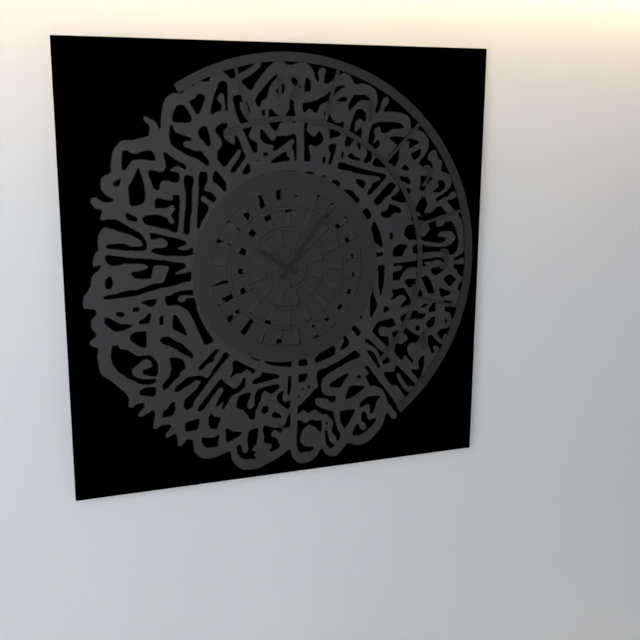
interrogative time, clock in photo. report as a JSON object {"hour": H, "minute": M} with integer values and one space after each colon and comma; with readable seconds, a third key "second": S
{"hour": 10, "minute": 6}
